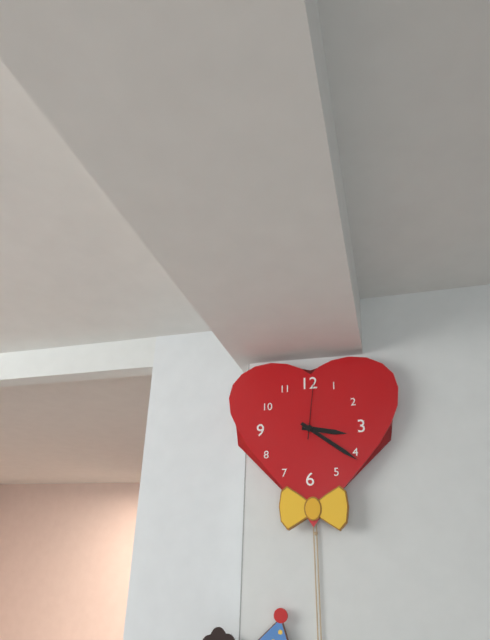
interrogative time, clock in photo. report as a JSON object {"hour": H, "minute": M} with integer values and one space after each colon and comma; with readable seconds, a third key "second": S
{"hour": 3, "minute": 21, "second": 1}
